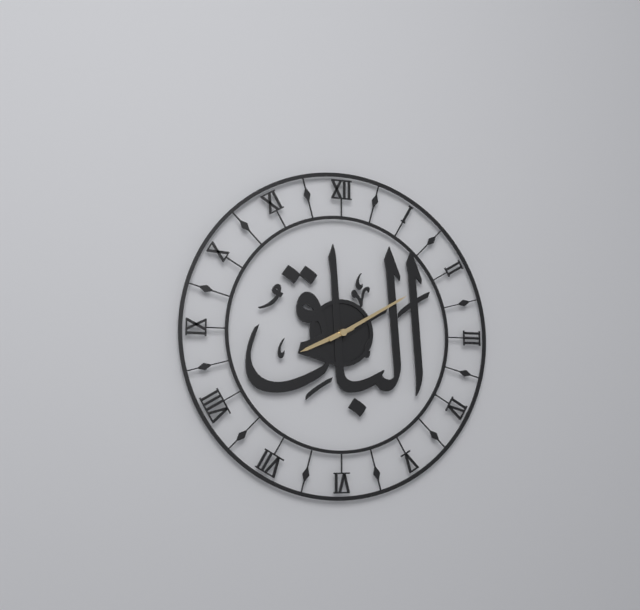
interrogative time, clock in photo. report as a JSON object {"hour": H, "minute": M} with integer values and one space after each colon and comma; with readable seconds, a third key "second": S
{"hour": 8, "minute": 10}
